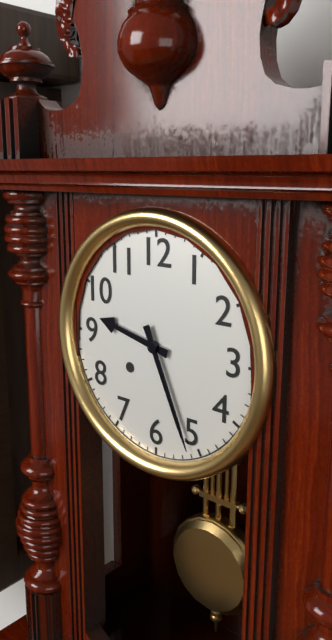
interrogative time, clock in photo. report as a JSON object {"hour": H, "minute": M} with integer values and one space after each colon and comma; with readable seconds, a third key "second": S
{"hour": 9, "minute": 26}
